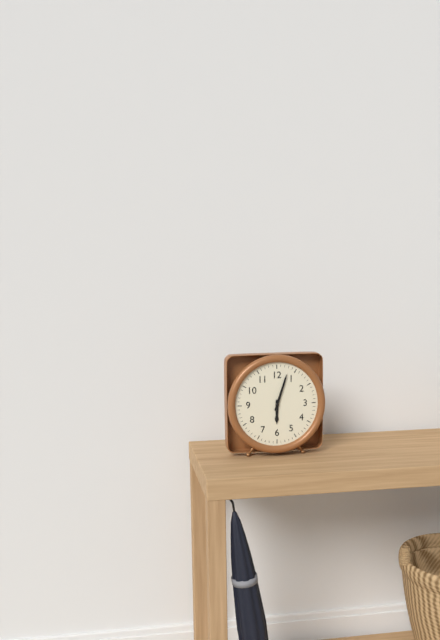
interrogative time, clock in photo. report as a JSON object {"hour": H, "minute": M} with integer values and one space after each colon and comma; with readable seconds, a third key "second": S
{"hour": 6, "minute": 3}
